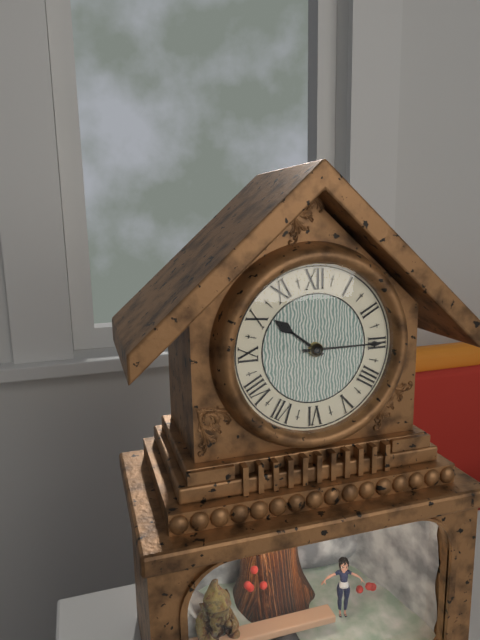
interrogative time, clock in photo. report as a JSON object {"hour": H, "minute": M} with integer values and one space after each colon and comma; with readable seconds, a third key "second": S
{"hour": 10, "minute": 15}
